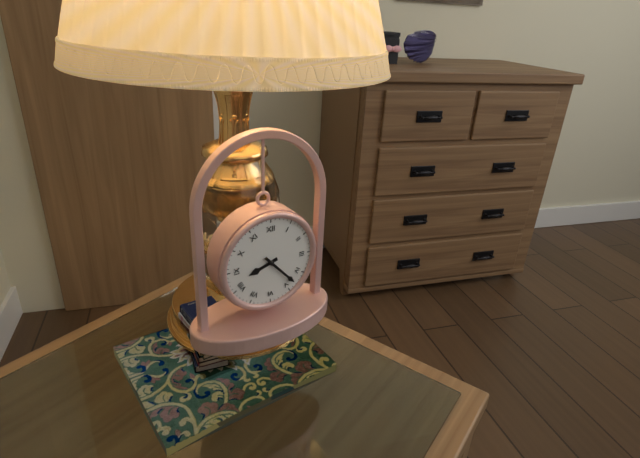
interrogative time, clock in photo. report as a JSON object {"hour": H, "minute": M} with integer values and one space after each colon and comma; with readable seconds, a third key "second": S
{"hour": 8, "minute": 23}
